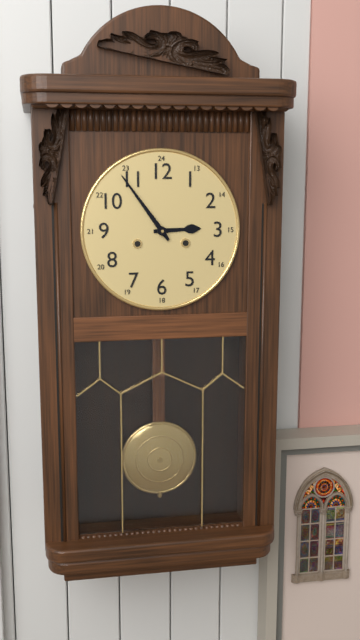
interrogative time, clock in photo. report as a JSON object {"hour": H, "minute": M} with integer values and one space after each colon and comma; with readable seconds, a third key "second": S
{"hour": 2, "minute": 54}
